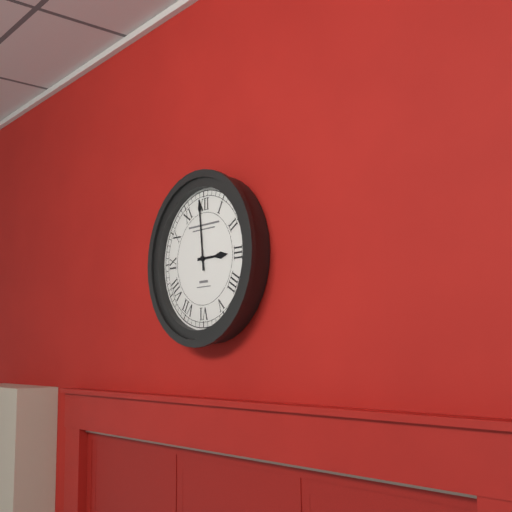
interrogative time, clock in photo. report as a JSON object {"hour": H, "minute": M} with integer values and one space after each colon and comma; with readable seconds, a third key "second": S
{"hour": 2, "minute": 59}
